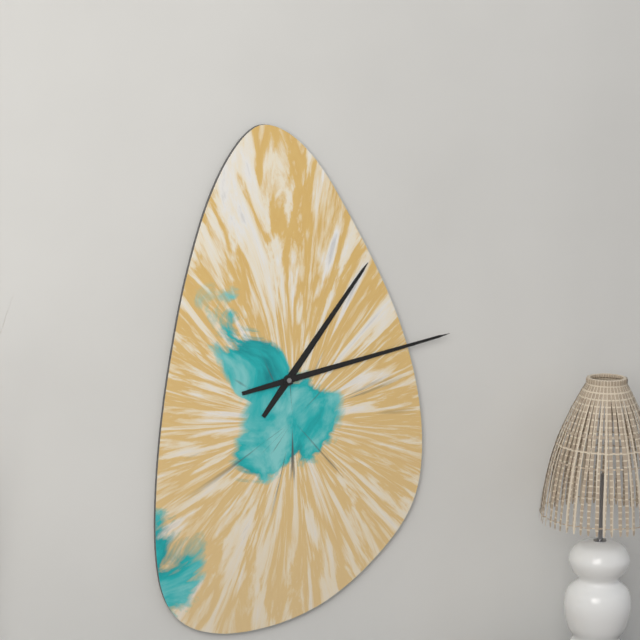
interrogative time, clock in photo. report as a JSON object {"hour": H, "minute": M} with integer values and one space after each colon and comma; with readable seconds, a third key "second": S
{"hour": 1, "minute": 13}
